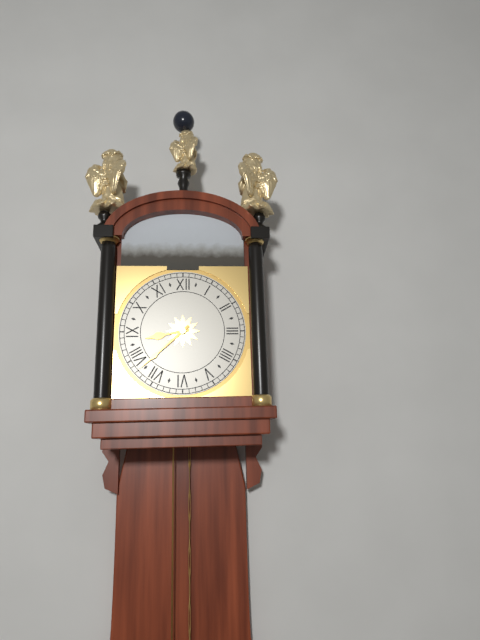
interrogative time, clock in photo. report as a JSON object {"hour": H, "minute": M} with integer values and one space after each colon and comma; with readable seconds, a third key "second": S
{"hour": 8, "minute": 38}
